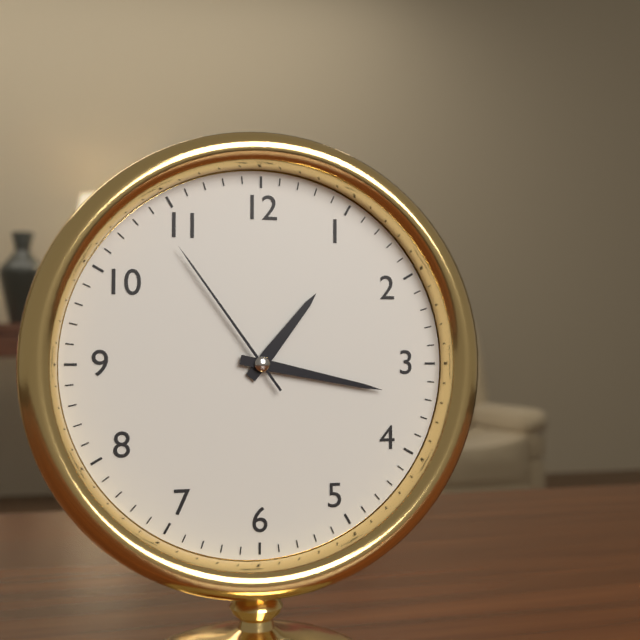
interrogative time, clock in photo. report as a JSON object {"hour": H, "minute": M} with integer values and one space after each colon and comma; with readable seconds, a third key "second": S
{"hour": 1, "minute": 17, "second": 54}
